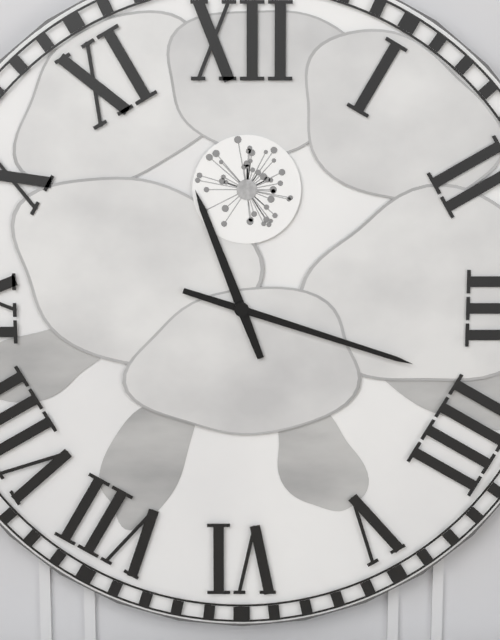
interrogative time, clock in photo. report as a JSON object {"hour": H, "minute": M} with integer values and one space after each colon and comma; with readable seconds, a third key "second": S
{"hour": 11, "minute": 18}
